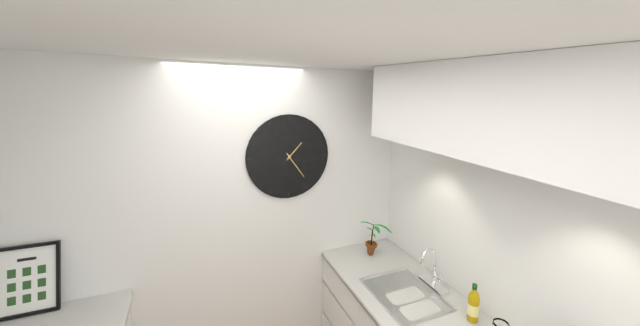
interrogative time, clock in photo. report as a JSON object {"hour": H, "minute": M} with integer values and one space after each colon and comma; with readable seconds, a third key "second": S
{"hour": 1, "minute": 24}
